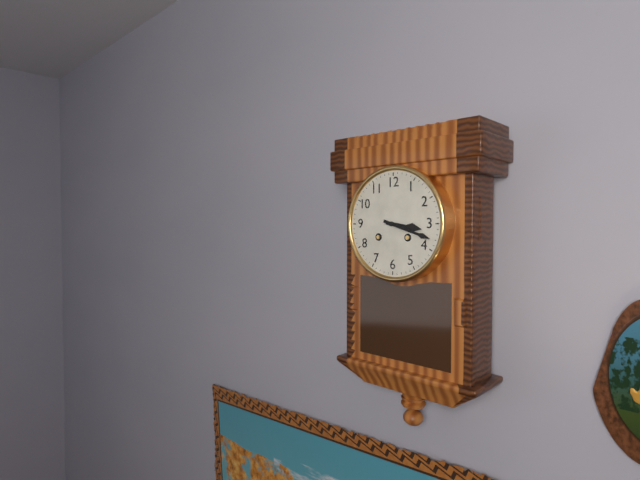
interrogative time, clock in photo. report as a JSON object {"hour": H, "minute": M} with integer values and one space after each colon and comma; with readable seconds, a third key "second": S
{"hour": 3, "minute": 18}
